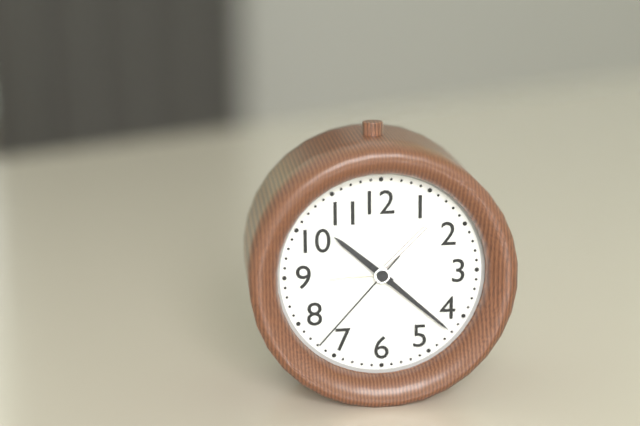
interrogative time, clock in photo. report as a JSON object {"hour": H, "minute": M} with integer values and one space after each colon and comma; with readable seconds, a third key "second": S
{"hour": 10, "minute": 22, "second": 37}
